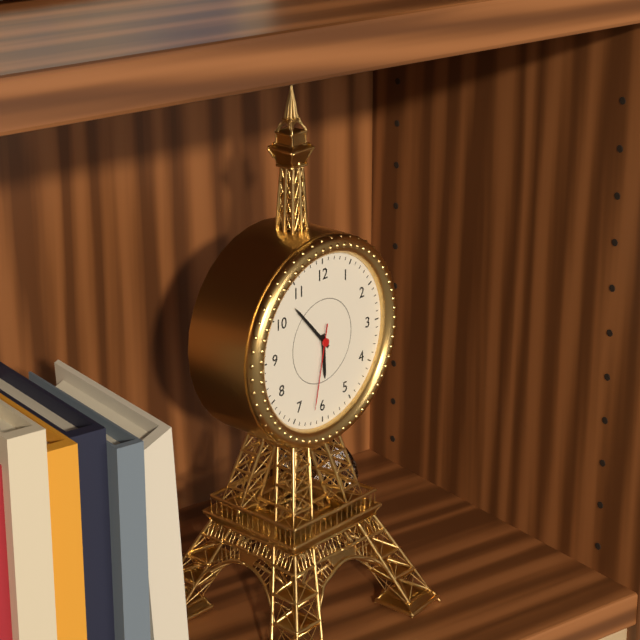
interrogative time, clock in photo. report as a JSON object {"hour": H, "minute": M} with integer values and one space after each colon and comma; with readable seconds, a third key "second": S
{"hour": 5, "minute": 53, "second": 32}
